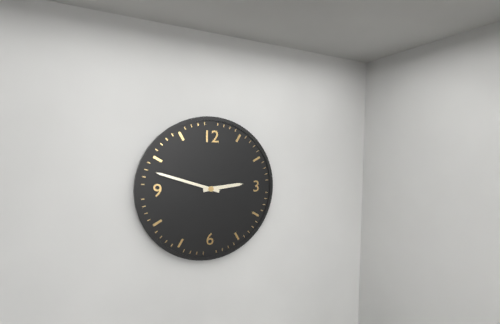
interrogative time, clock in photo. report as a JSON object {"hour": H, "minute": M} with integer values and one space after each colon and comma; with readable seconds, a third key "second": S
{"hour": 2, "minute": 48}
